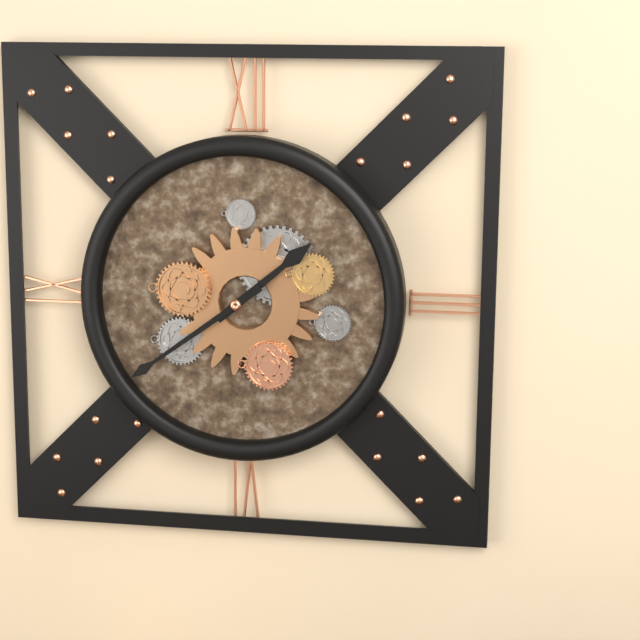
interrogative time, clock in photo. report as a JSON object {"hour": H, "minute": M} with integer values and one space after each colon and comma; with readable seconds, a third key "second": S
{"hour": 1, "minute": 39}
